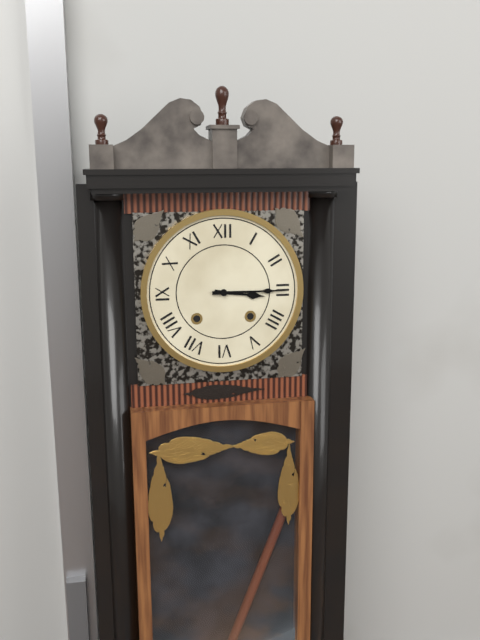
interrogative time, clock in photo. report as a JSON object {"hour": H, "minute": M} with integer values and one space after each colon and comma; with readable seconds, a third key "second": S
{"hour": 3, "minute": 15}
